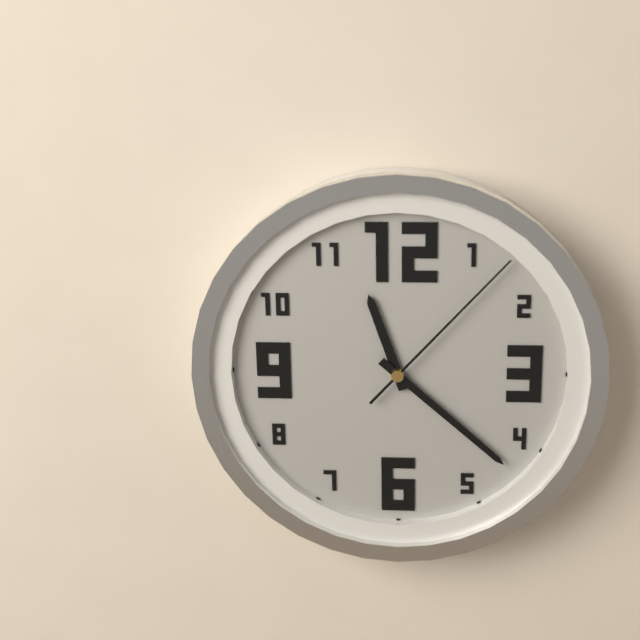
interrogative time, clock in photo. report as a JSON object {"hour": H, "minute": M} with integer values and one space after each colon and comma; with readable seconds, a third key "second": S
{"hour": 11, "minute": 22, "second": 7}
